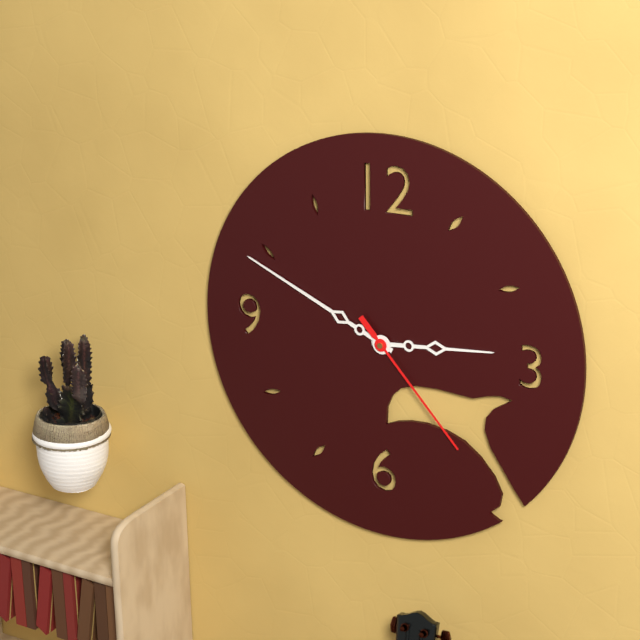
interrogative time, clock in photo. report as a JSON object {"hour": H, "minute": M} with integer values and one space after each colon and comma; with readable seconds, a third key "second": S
{"hour": 2, "minute": 49, "second": 23}
